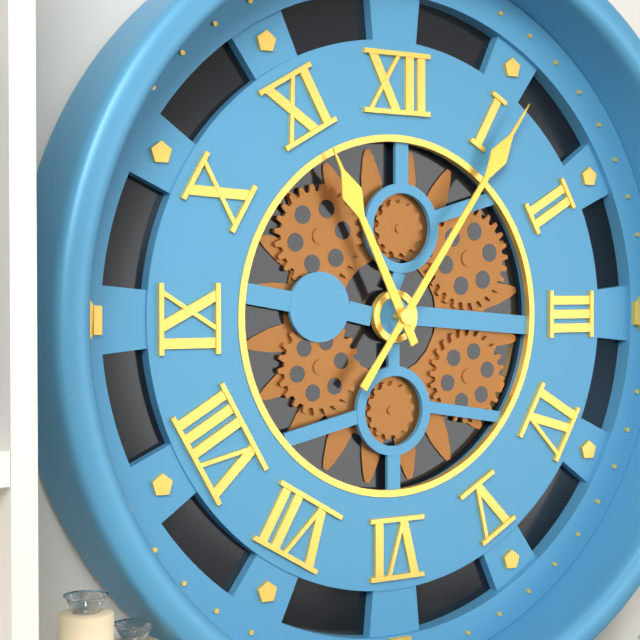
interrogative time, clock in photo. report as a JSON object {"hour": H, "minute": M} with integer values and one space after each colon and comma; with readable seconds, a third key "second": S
{"hour": 11, "minute": 6}
